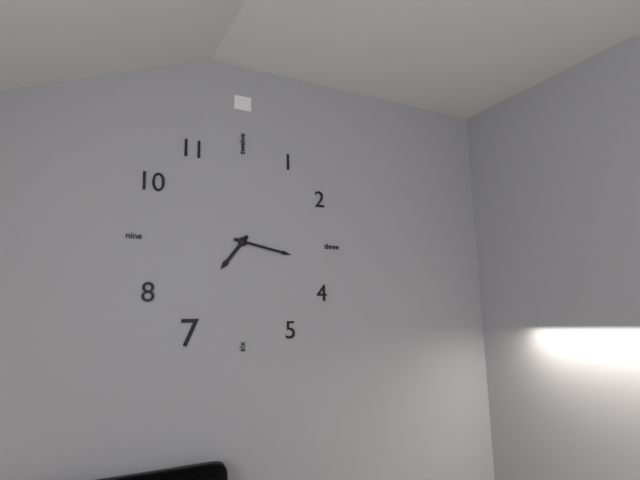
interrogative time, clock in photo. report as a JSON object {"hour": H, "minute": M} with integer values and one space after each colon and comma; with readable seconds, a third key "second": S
{"hour": 7, "minute": 17}
